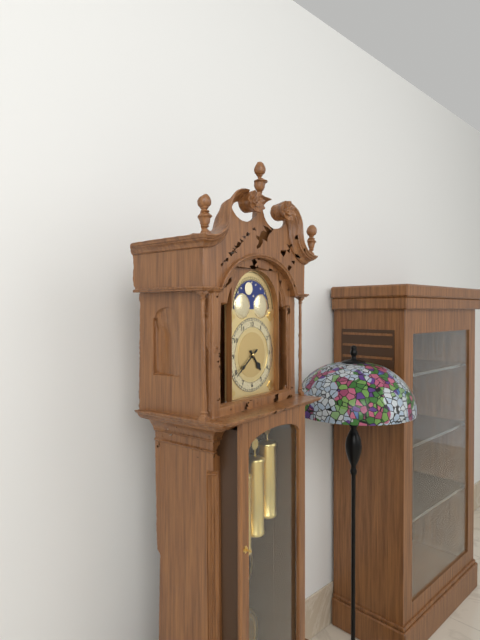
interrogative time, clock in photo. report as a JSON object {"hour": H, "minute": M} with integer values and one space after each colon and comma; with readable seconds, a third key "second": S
{"hour": 4, "minute": 39}
